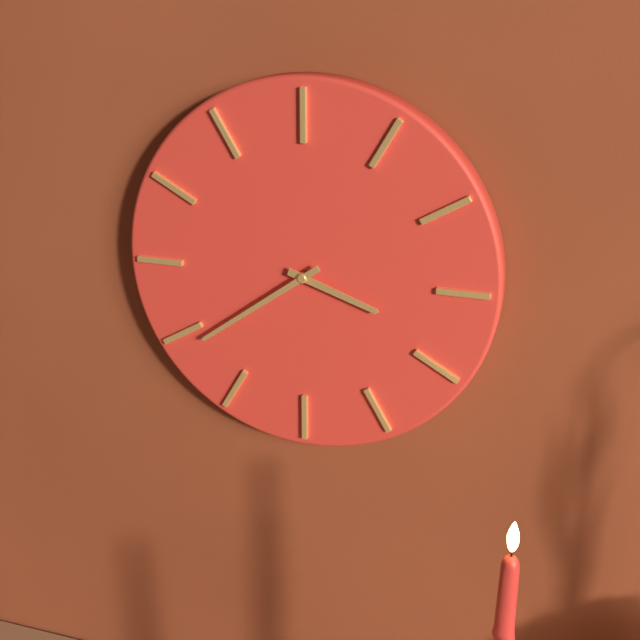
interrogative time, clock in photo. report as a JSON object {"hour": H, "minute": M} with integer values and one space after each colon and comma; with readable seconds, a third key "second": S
{"hour": 3, "minute": 39}
